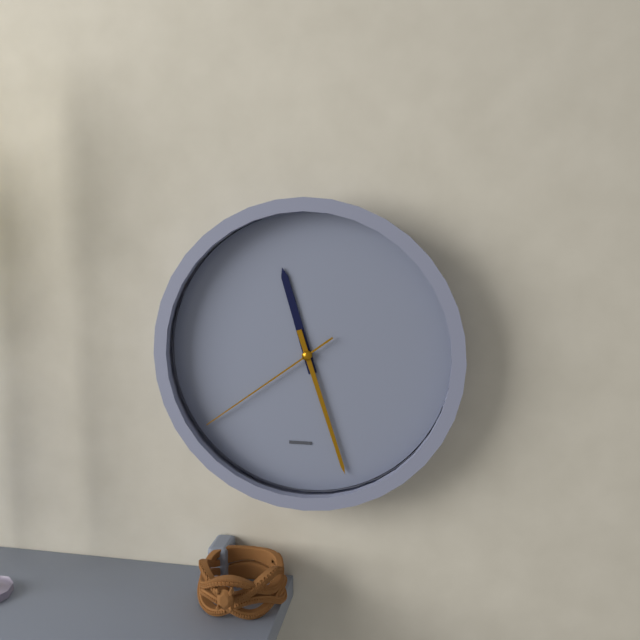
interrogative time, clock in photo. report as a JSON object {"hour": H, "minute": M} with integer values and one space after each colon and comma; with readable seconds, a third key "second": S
{"hour": 11, "minute": 27, "second": 39}
